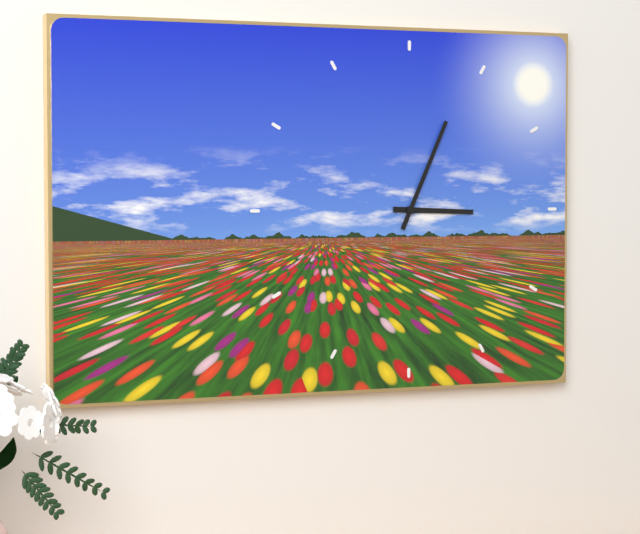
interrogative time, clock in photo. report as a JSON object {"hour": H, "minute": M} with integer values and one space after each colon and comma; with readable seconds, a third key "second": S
{"hour": 3, "minute": 4}
